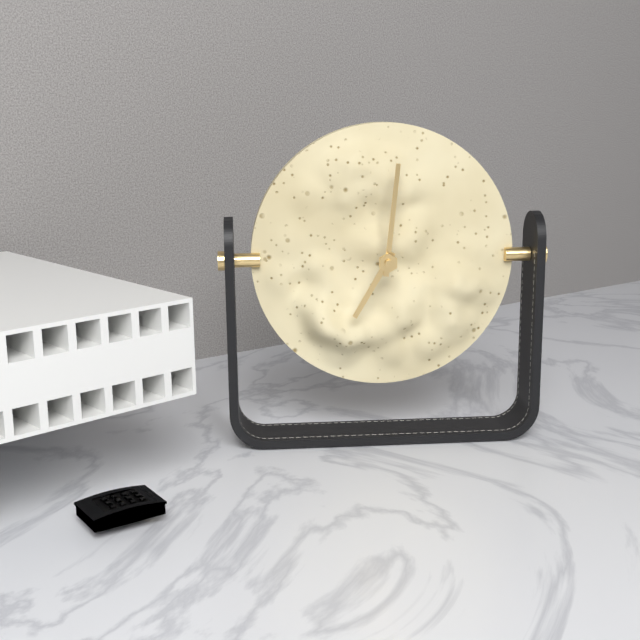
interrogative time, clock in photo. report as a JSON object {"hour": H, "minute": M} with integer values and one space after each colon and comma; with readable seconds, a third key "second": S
{"hour": 7, "minute": 1}
